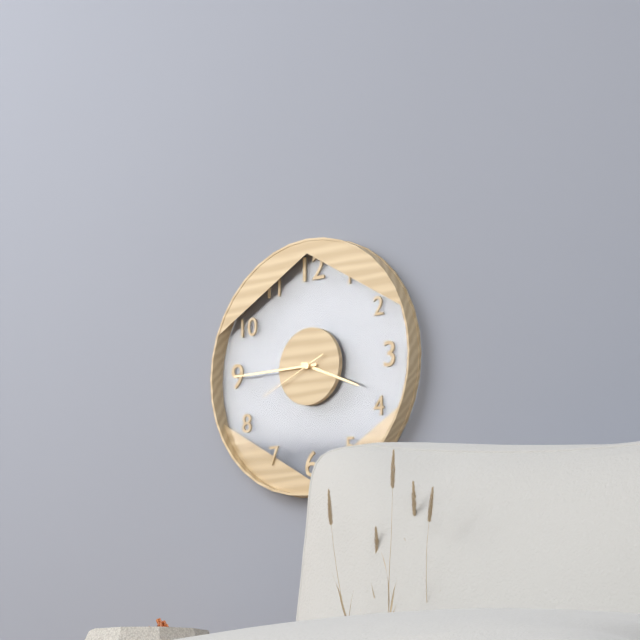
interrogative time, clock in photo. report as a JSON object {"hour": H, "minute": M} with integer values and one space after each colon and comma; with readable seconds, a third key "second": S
{"hour": 3, "minute": 45, "second": 41}
